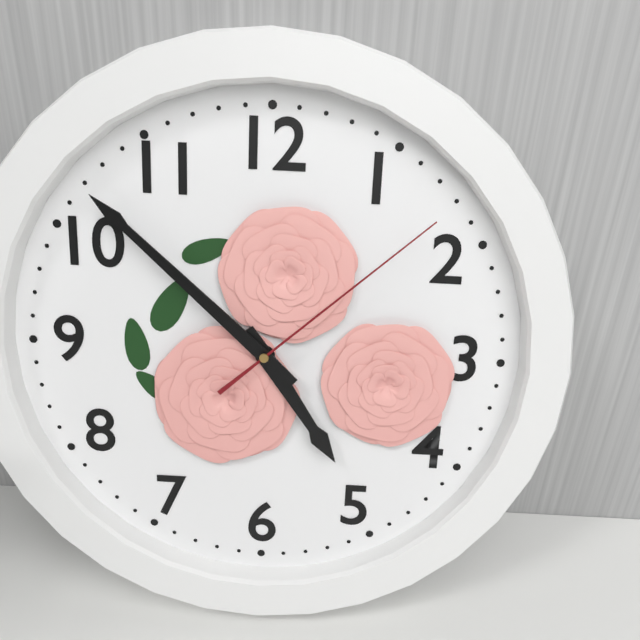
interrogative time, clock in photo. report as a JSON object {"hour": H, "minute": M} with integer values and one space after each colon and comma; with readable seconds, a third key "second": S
{"hour": 4, "minute": 52, "second": 8}
